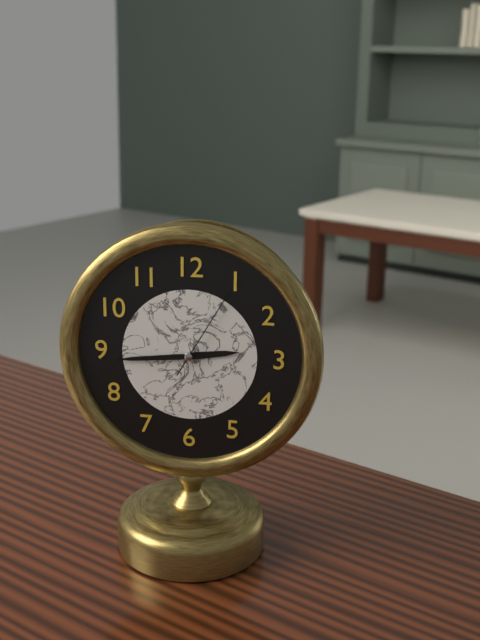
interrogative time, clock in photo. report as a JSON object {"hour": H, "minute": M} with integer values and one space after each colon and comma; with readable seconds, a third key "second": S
{"hour": 2, "minute": 44, "second": 5}
